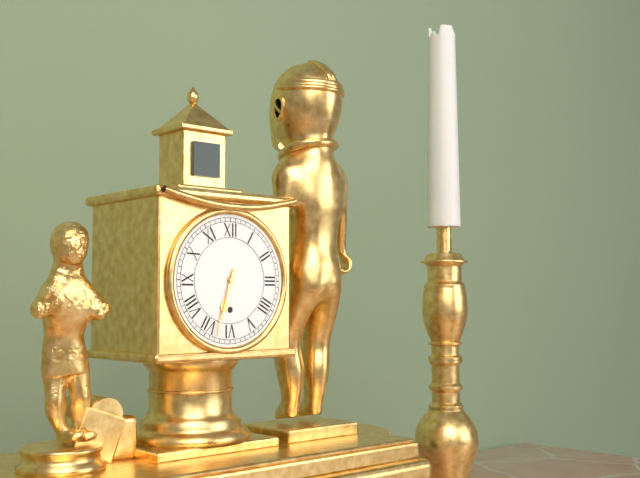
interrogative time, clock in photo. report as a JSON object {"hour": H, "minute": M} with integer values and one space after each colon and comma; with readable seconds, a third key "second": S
{"hour": 6, "minute": 33}
